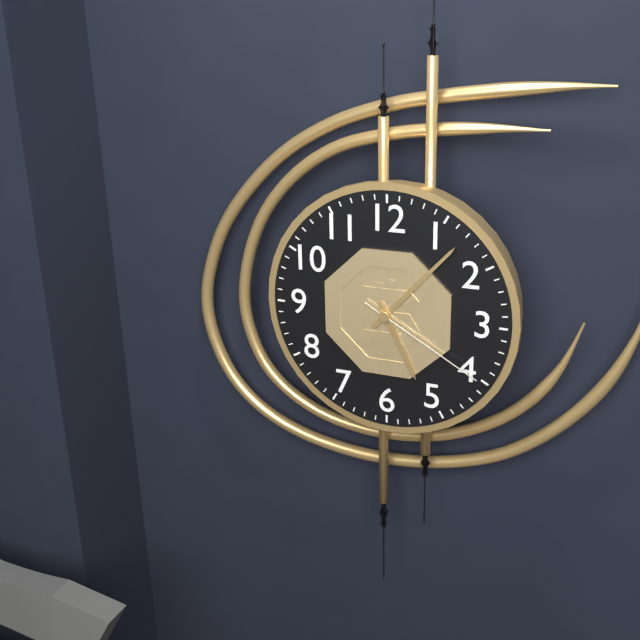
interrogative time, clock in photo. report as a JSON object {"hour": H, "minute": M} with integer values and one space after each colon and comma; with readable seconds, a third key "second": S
{"hour": 5, "minute": 7, "second": 20}
